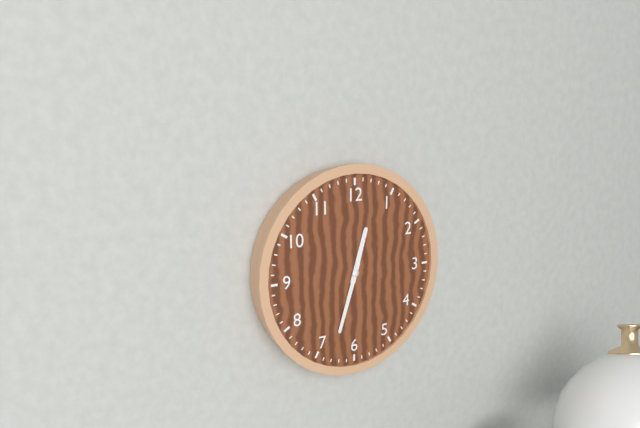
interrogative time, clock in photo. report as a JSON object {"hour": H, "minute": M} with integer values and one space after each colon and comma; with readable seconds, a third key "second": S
{"hour": 12, "minute": 33}
